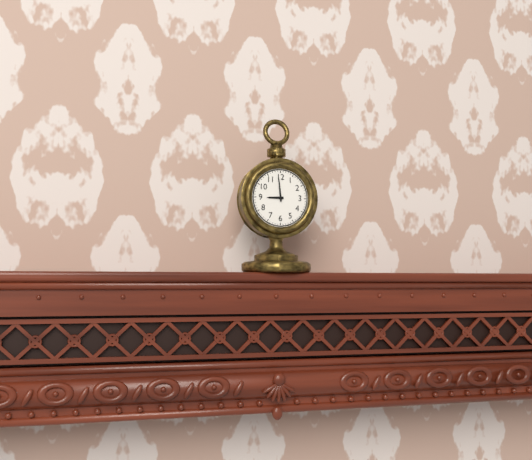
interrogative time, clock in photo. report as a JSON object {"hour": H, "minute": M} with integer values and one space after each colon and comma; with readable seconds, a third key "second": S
{"hour": 8, "minute": 59}
